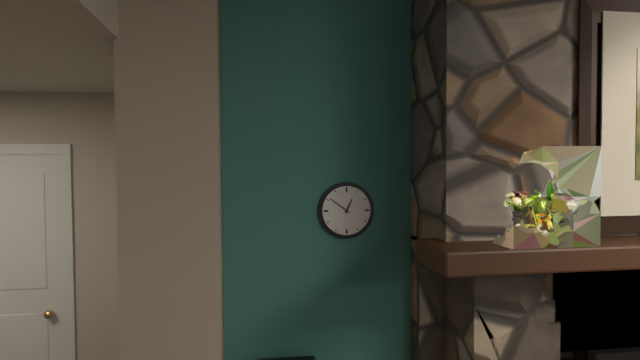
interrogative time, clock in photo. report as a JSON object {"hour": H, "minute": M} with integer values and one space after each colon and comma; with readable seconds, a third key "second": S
{"hour": 12, "minute": 51}
